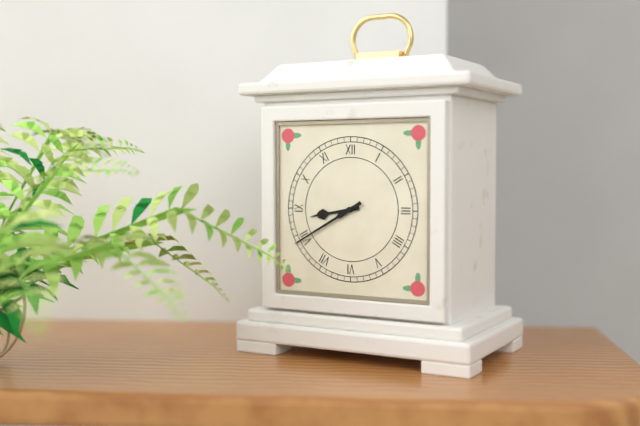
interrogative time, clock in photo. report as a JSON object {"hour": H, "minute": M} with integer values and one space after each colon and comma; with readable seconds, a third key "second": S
{"hour": 8, "minute": 40}
